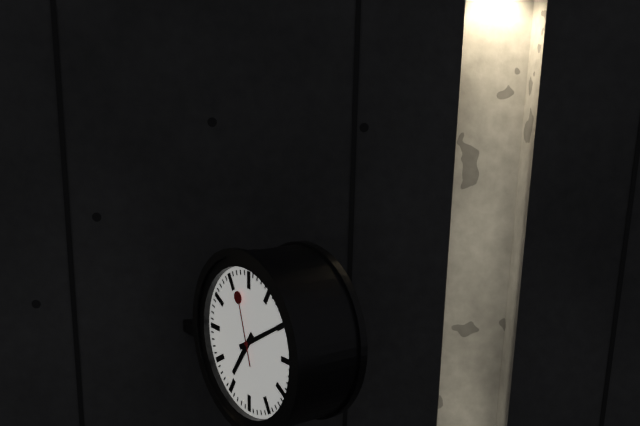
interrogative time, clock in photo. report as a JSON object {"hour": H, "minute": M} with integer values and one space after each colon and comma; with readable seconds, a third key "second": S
{"hour": 7, "minute": 10, "second": 57}
